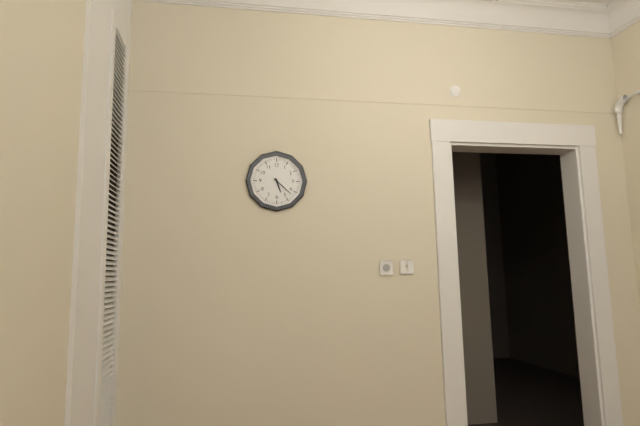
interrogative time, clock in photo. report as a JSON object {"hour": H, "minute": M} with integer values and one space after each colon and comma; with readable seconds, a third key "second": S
{"hour": 5, "minute": 22}
